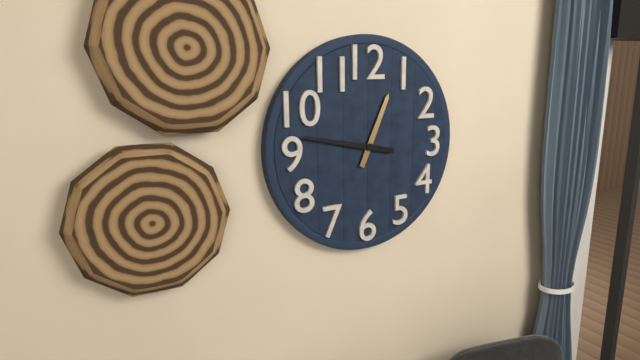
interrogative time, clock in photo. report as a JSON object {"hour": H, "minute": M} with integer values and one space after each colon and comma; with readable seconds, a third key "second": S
{"hour": 12, "minute": 47}
